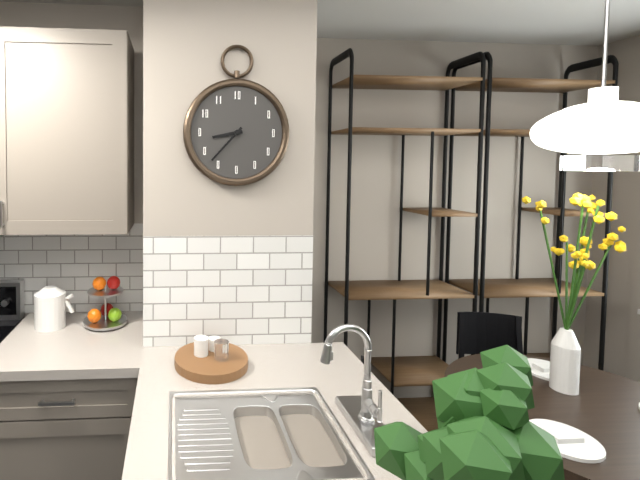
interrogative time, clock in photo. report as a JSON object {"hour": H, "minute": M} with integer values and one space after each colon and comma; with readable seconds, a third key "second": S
{"hour": 8, "minute": 37}
